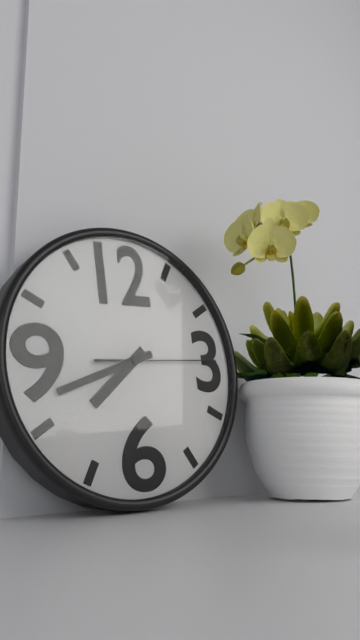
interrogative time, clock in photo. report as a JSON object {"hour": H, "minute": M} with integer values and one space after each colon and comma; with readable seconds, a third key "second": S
{"hour": 7, "minute": 42, "second": 15}
